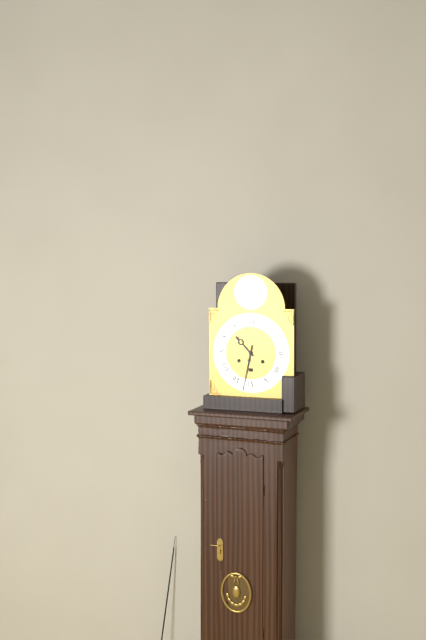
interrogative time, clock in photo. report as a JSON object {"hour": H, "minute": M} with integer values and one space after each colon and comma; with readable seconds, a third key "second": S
{"hour": 10, "minute": 32}
